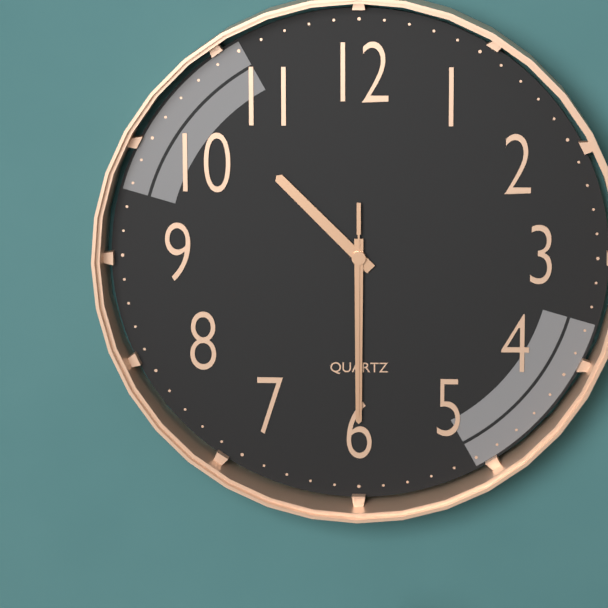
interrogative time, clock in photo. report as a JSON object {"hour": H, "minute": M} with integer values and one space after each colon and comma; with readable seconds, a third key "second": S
{"hour": 10, "minute": 30, "second": 30}
